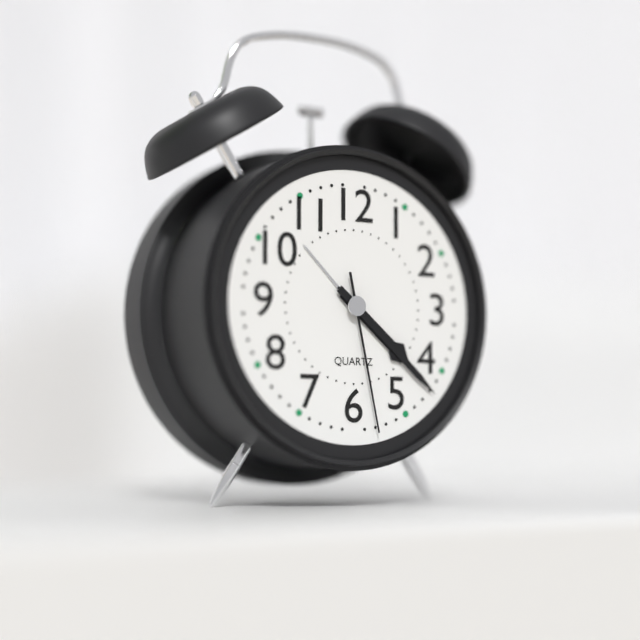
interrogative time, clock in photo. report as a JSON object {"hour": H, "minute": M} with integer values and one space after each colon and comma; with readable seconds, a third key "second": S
{"hour": 4, "minute": 22, "second": 28}
